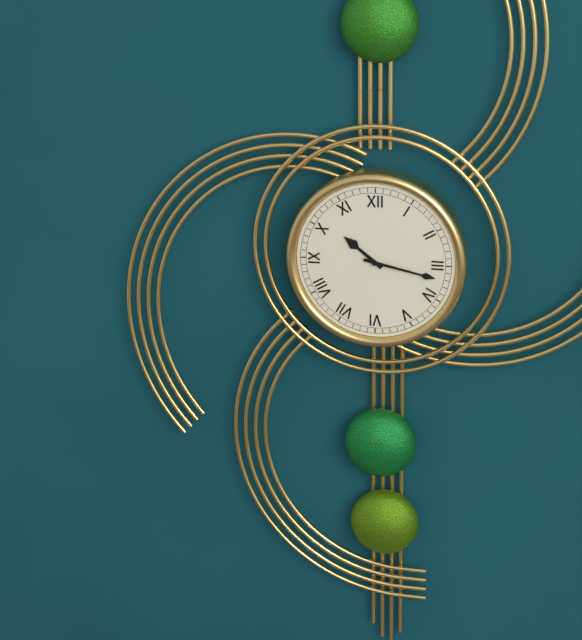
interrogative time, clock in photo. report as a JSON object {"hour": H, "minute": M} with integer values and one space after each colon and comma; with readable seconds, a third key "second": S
{"hour": 10, "minute": 17}
